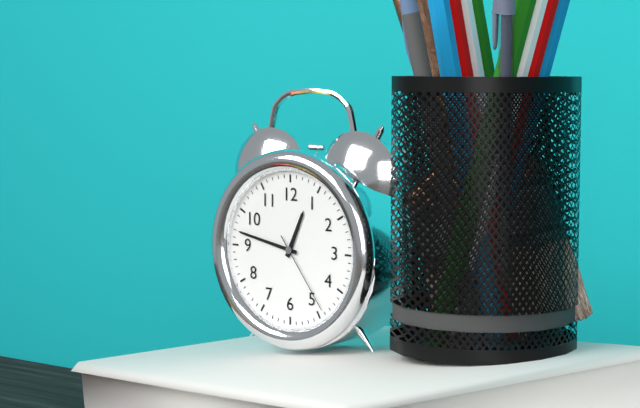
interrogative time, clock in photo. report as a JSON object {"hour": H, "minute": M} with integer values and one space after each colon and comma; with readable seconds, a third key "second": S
{"hour": 12, "minute": 47, "second": 24}
